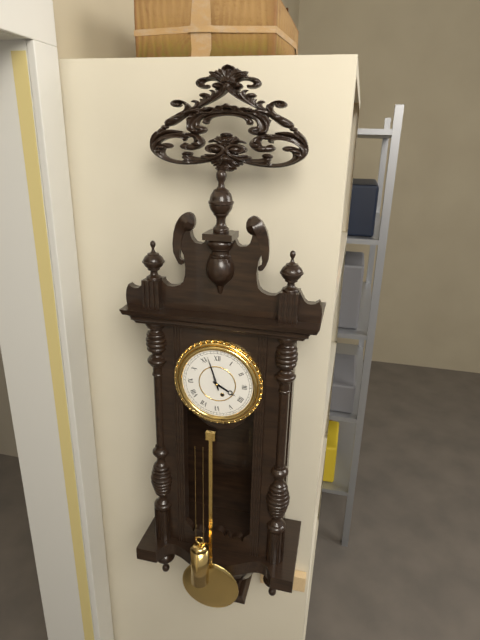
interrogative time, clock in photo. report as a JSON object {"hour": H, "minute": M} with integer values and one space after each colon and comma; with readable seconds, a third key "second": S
{"hour": 3, "minute": 57}
